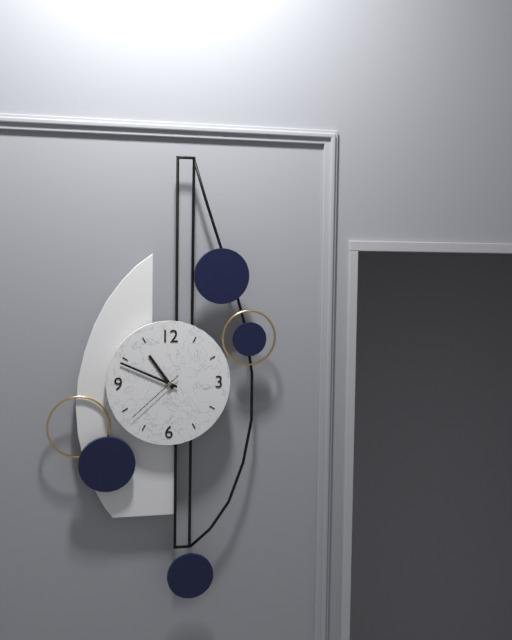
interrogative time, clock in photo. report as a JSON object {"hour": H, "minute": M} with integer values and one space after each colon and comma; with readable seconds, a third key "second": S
{"hour": 10, "minute": 49, "second": 38}
